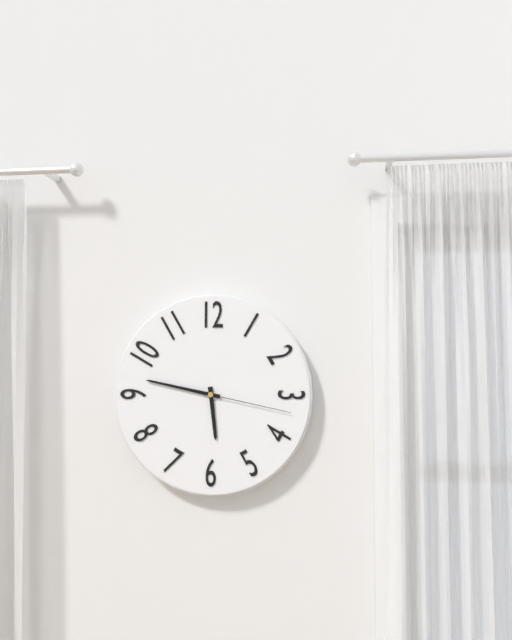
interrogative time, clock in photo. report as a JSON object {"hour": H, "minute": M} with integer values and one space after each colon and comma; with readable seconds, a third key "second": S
{"hour": 5, "minute": 47, "second": 17}
